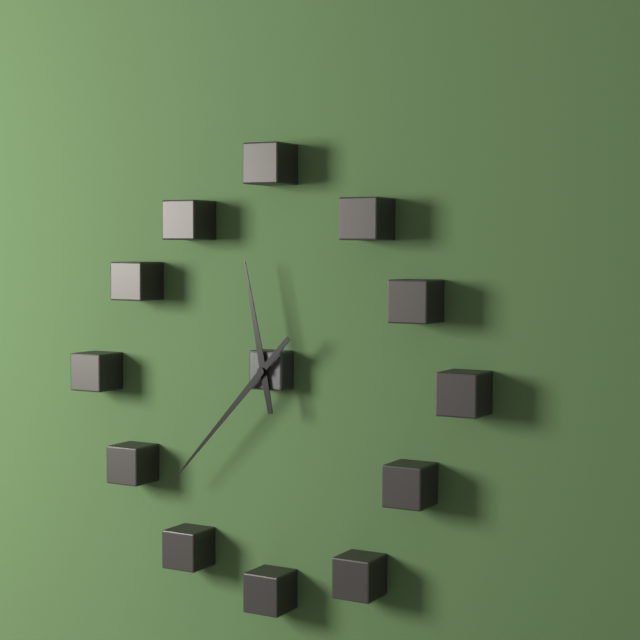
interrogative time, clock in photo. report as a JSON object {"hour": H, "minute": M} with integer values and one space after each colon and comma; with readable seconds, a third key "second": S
{"hour": 11, "minute": 37}
